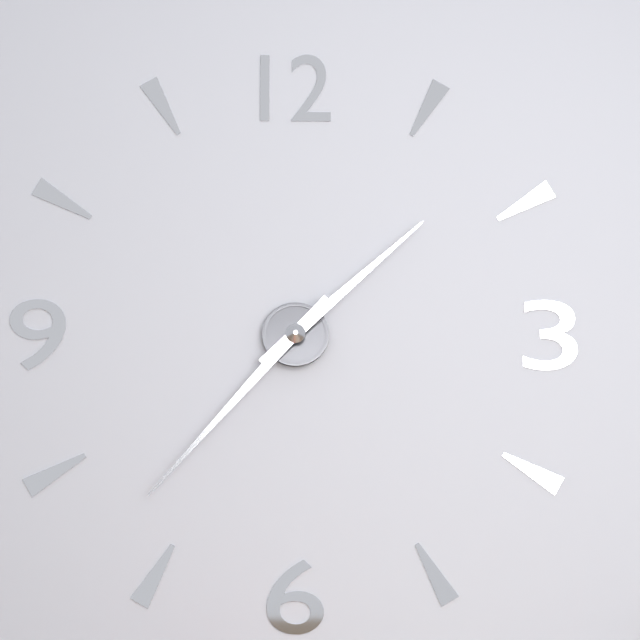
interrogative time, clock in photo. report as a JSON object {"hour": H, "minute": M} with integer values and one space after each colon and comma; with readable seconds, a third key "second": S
{"hour": 1, "minute": 37}
